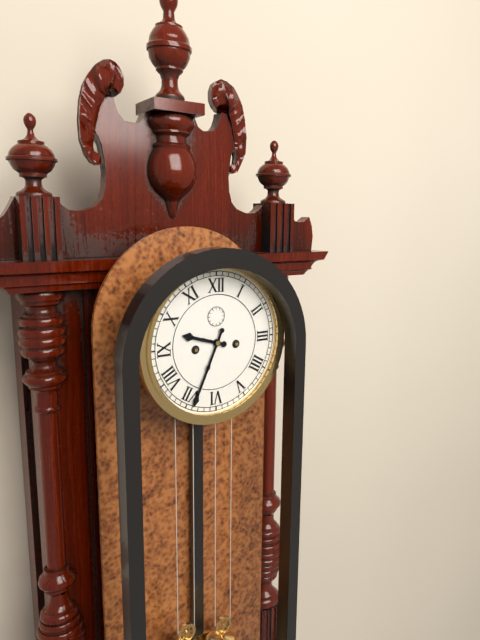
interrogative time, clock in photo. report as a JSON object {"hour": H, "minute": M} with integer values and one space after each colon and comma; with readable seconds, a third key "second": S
{"hour": 9, "minute": 34}
